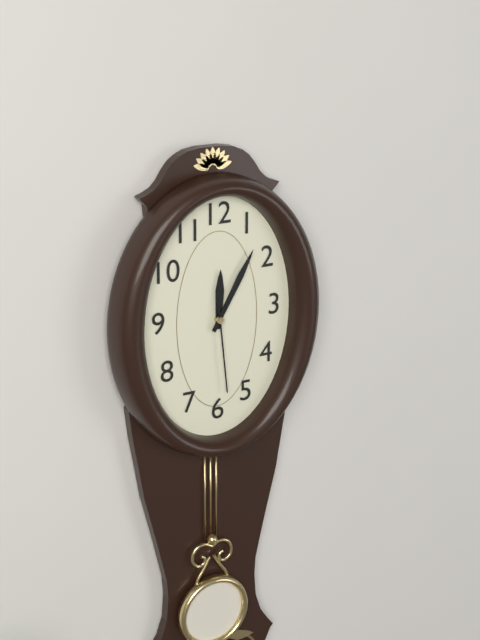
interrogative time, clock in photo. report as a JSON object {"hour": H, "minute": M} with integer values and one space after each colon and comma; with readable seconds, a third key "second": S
{"hour": 12, "minute": 5, "second": 29}
